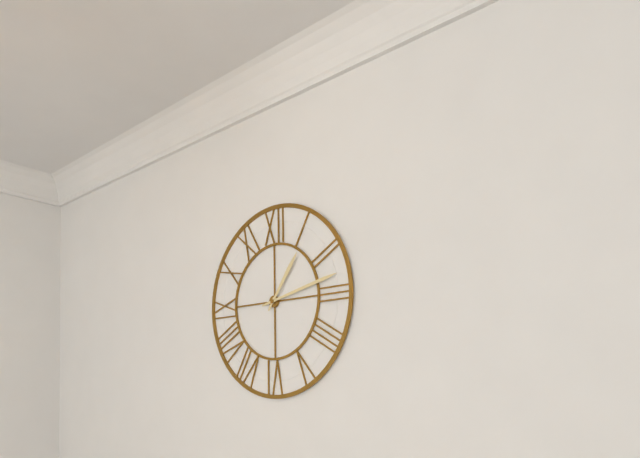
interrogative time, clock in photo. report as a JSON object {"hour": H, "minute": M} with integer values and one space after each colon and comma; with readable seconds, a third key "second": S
{"hour": 1, "minute": 13}
